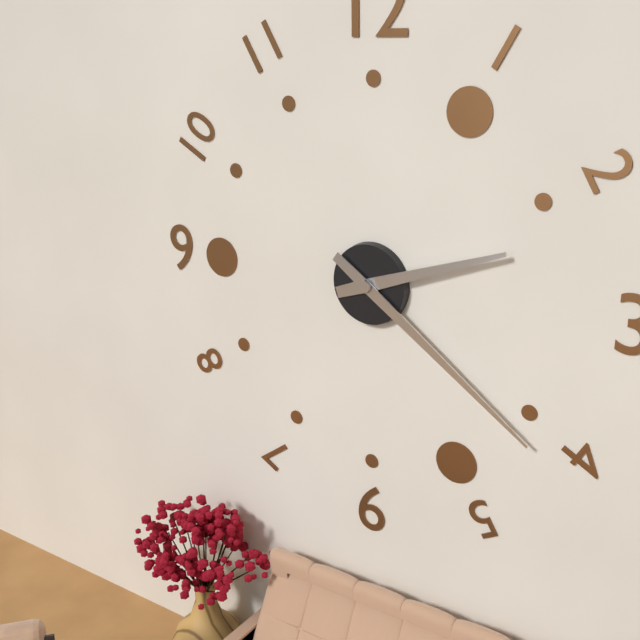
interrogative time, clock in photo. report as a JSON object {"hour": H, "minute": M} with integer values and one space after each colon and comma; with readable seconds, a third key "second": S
{"hour": 2, "minute": 21}
